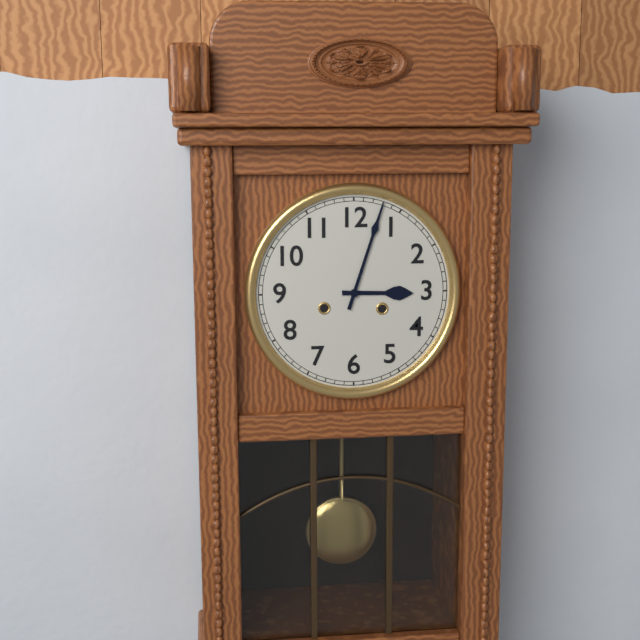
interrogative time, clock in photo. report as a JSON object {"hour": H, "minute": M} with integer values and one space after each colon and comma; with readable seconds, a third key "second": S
{"hour": 3, "minute": 3}
